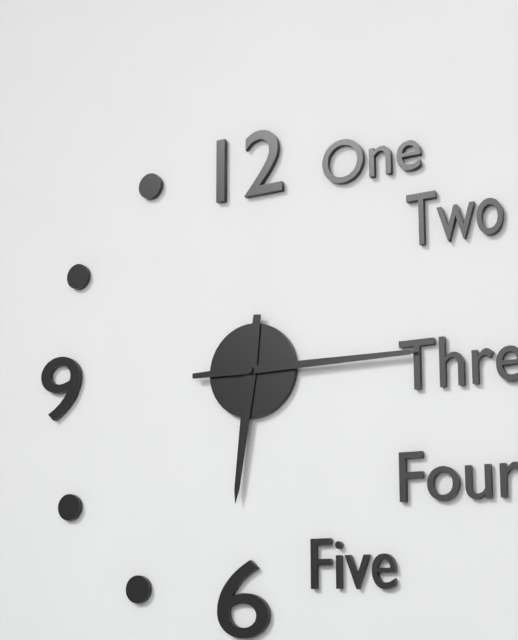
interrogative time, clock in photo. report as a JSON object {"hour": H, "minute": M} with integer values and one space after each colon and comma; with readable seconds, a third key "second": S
{"hour": 6, "minute": 15}
